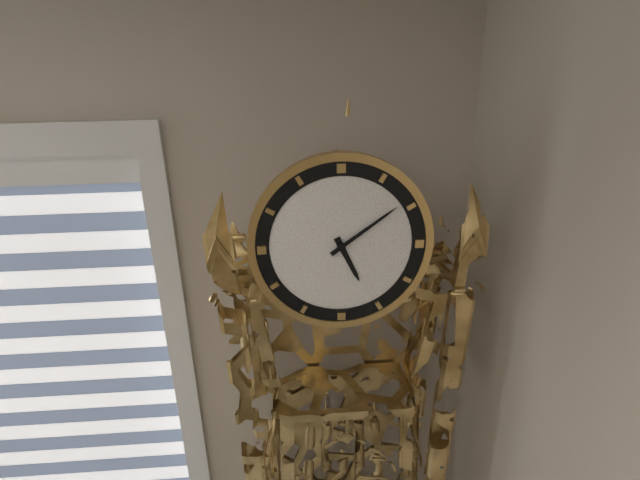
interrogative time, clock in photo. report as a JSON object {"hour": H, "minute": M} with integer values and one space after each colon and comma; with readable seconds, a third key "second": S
{"hour": 5, "minute": 9}
